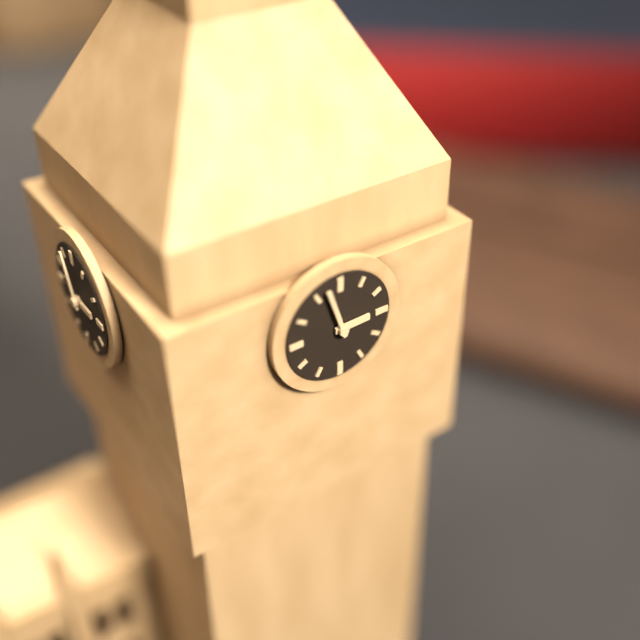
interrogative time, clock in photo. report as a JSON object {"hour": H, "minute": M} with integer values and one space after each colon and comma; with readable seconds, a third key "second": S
{"hour": 2, "minute": 57}
